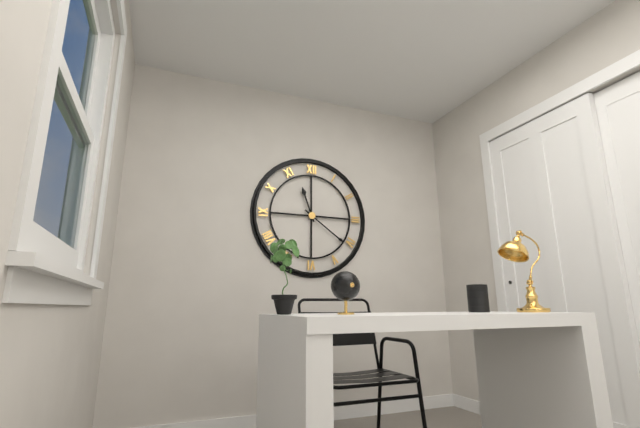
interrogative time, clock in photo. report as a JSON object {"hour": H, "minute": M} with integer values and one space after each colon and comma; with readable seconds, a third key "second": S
{"hour": 11, "minute": 21}
